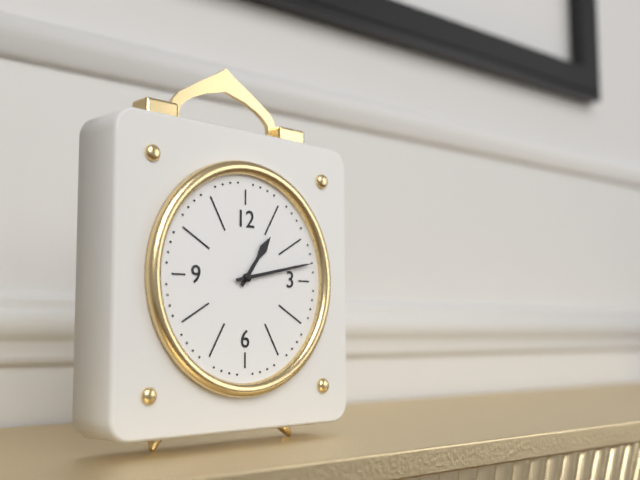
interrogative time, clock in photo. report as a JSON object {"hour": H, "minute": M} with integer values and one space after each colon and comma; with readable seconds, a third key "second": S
{"hour": 1, "minute": 13}
